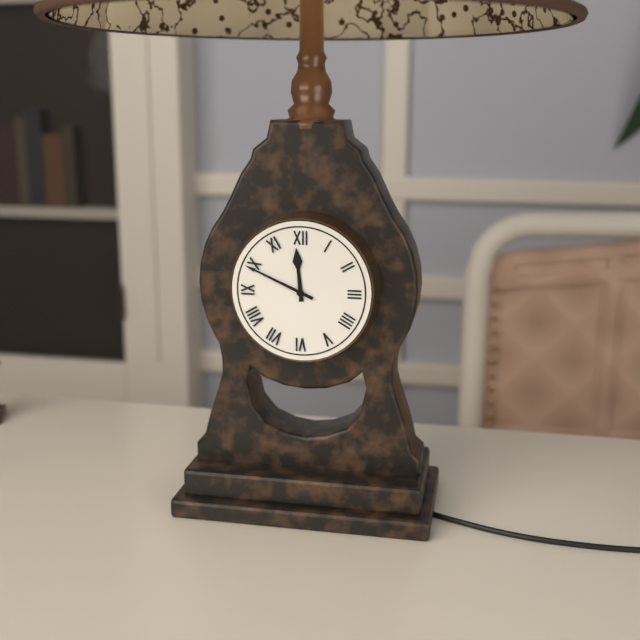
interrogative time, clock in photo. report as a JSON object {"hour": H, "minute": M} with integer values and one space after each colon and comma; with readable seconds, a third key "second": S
{"hour": 11, "minute": 49}
